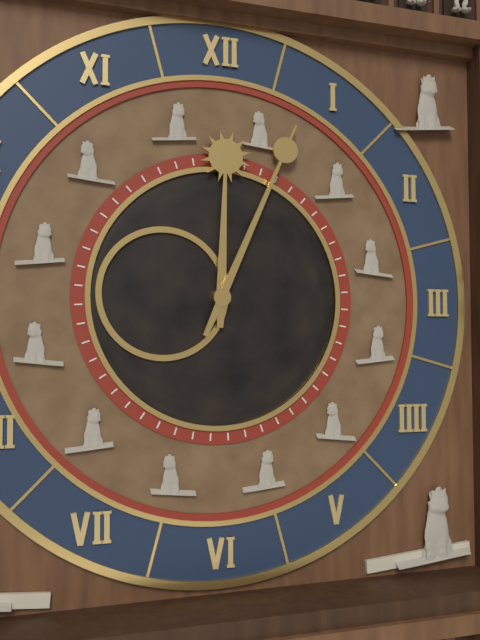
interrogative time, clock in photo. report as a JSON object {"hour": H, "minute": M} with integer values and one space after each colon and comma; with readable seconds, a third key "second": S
{"hour": 12, "minute": 4}
